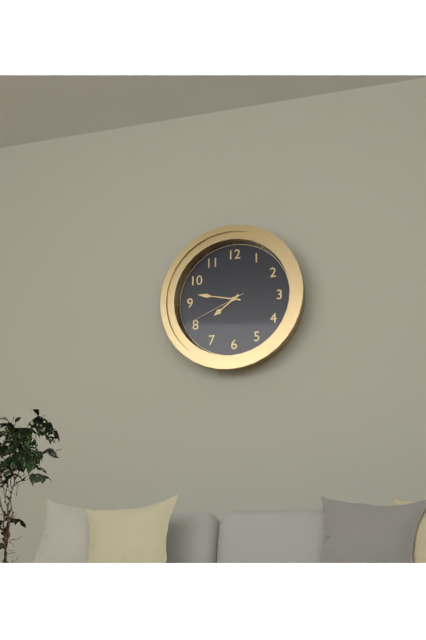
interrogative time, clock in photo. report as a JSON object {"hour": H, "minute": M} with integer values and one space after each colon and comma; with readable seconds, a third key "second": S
{"hour": 7, "minute": 47, "second": 41}
